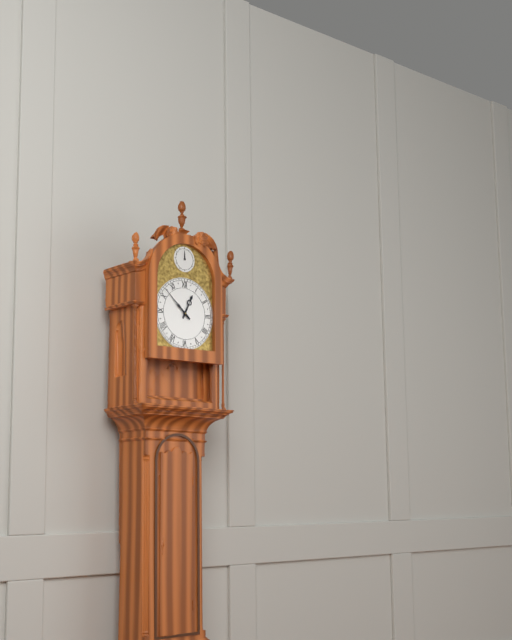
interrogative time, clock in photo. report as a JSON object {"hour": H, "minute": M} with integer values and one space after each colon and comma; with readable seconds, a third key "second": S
{"hour": 12, "minute": 52}
